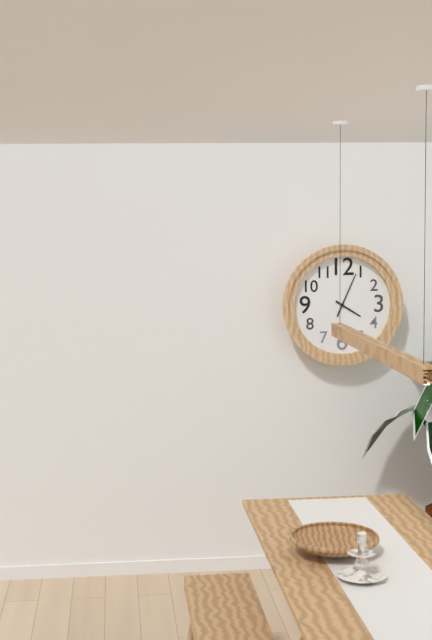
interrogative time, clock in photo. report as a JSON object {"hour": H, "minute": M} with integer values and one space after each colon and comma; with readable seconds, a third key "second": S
{"hour": 4, "minute": 4}
